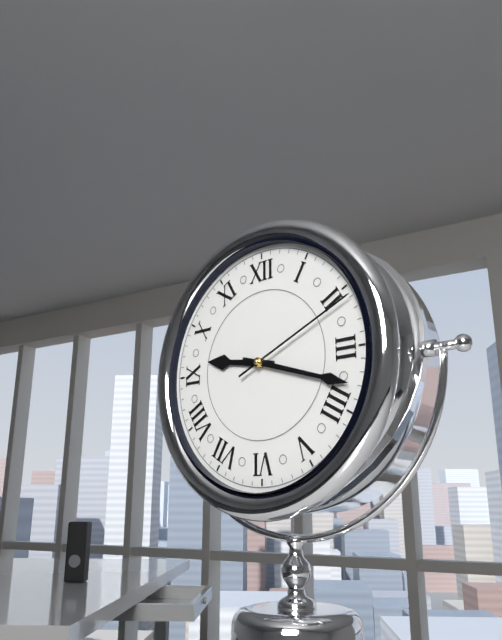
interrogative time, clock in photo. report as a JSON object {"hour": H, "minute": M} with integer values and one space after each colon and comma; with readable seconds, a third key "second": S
{"hour": 9, "minute": 18, "second": 11}
